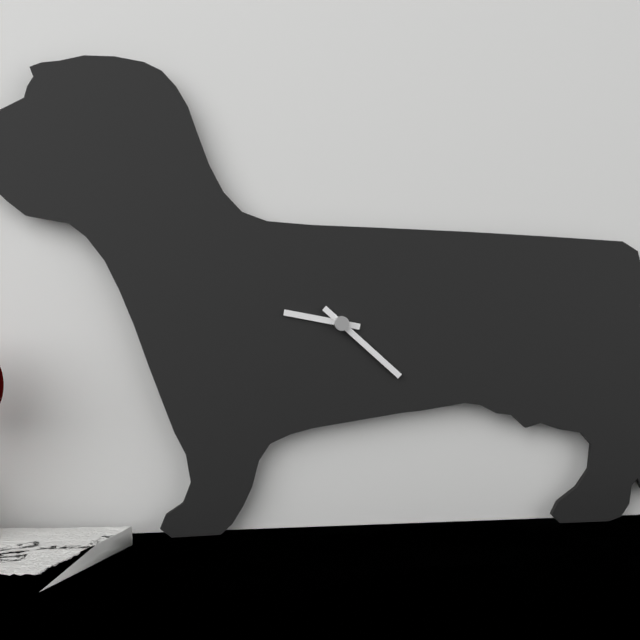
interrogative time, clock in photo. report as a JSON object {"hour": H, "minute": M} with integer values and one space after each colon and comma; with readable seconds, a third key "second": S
{"hour": 9, "minute": 22}
